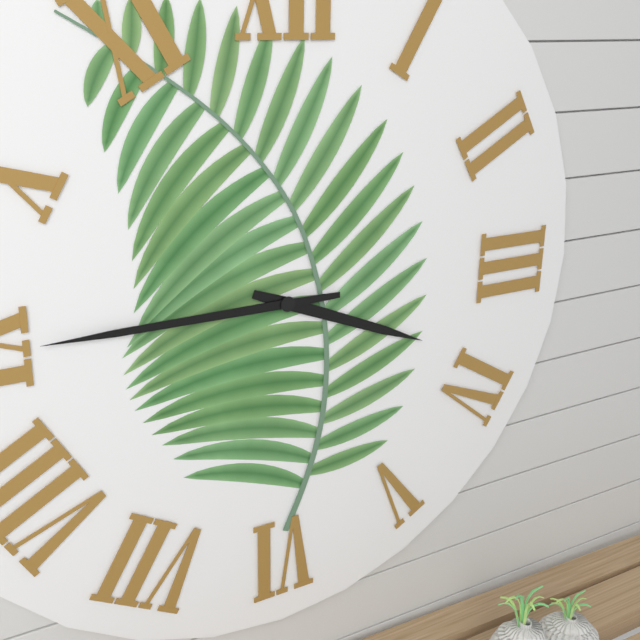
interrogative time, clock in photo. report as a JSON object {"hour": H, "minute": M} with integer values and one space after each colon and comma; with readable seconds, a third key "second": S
{"hour": 3, "minute": 45}
